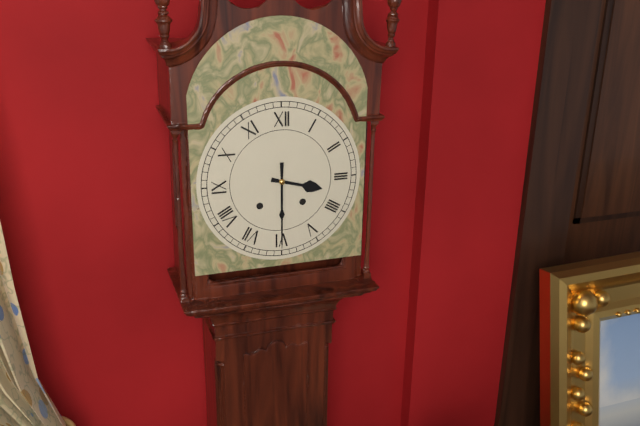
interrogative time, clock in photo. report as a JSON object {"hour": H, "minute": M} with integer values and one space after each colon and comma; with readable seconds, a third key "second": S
{"hour": 3, "minute": 30}
